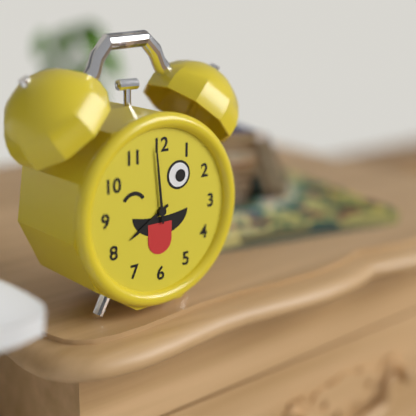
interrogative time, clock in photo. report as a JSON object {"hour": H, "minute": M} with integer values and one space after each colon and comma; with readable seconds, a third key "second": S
{"hour": 7, "minute": 59}
